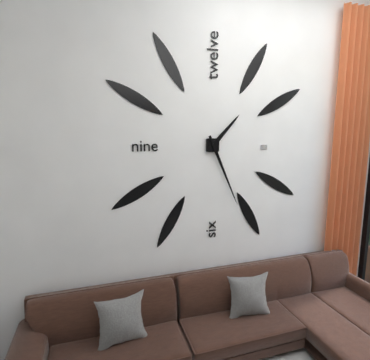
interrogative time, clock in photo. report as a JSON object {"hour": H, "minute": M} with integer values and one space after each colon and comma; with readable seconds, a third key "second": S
{"hour": 1, "minute": 26}
